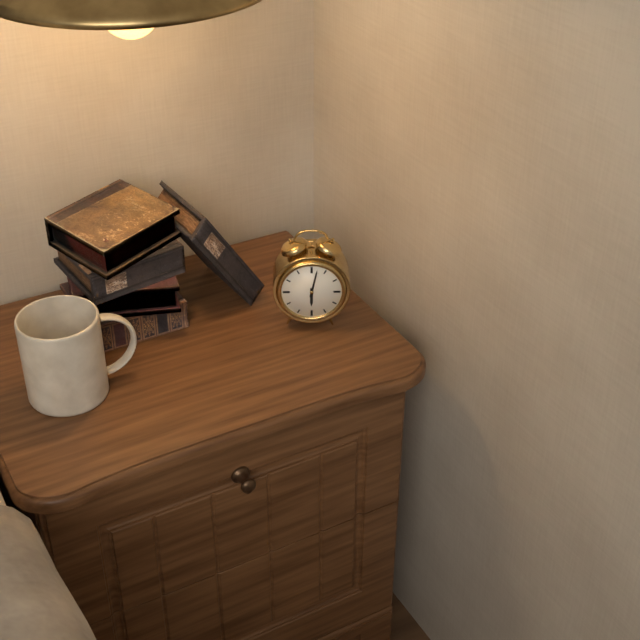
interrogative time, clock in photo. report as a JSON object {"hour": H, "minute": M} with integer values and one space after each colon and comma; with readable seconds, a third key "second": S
{"hour": 6, "minute": 2}
